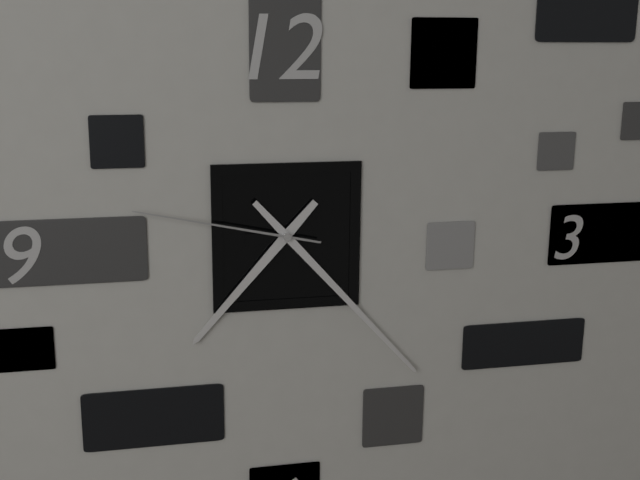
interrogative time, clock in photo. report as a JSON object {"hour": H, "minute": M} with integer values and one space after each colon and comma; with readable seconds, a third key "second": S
{"hour": 7, "minute": 23, "second": 47}
